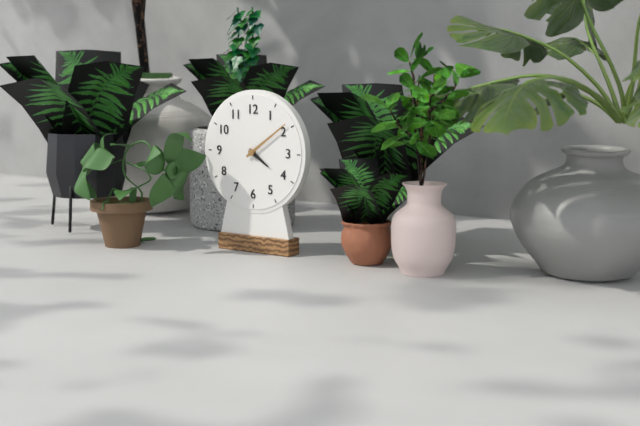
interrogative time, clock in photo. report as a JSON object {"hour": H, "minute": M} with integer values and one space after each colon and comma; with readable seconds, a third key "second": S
{"hour": 4, "minute": 9}
